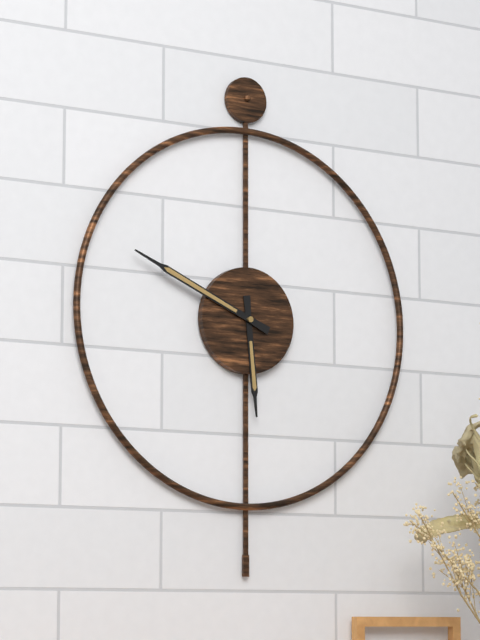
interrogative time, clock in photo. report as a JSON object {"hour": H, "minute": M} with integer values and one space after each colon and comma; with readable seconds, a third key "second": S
{"hour": 5, "minute": 49}
